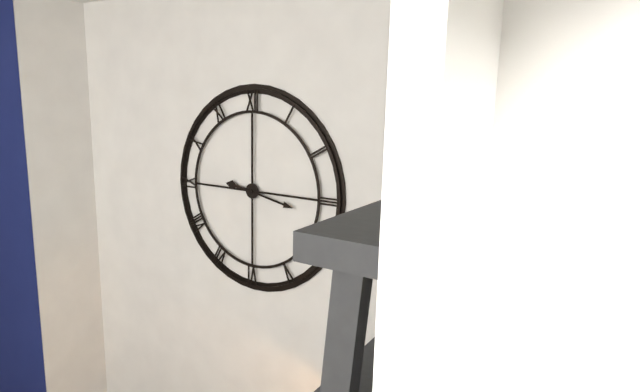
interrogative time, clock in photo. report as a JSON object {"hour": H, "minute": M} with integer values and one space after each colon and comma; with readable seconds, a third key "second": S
{"hour": 9, "minute": 17}
